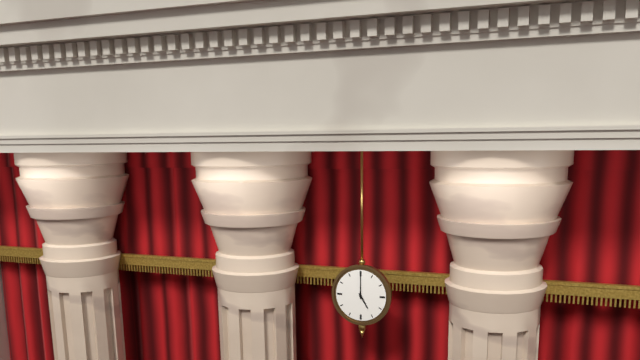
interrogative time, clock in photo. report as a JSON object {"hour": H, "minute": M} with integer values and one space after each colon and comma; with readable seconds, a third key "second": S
{"hour": 5, "minute": 0}
